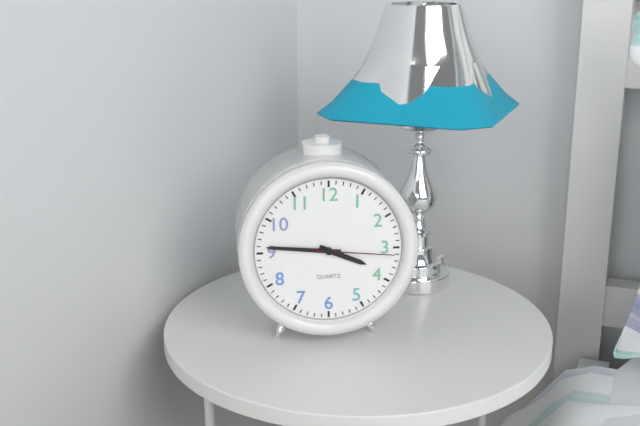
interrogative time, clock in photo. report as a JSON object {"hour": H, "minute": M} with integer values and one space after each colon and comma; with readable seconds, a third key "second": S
{"hour": 3, "minute": 46, "second": 16}
